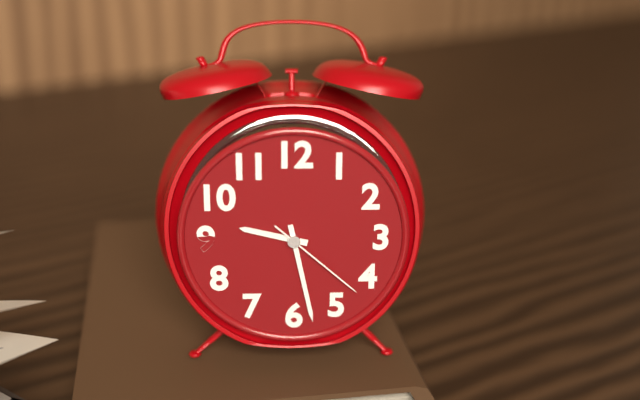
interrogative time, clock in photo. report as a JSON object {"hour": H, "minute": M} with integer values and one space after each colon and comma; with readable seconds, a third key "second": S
{"hour": 9, "minute": 28, "second": 22}
